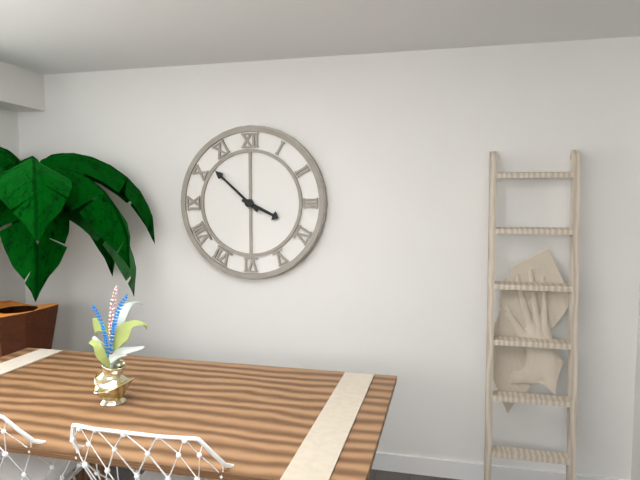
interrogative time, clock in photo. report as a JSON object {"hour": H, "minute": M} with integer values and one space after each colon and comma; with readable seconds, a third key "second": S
{"hour": 3, "minute": 52}
